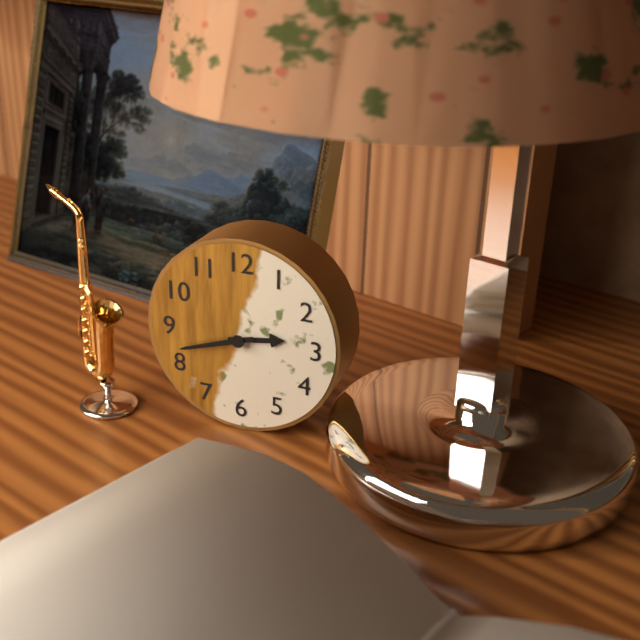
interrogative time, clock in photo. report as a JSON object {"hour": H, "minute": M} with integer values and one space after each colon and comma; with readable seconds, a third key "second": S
{"hour": 2, "minute": 42}
